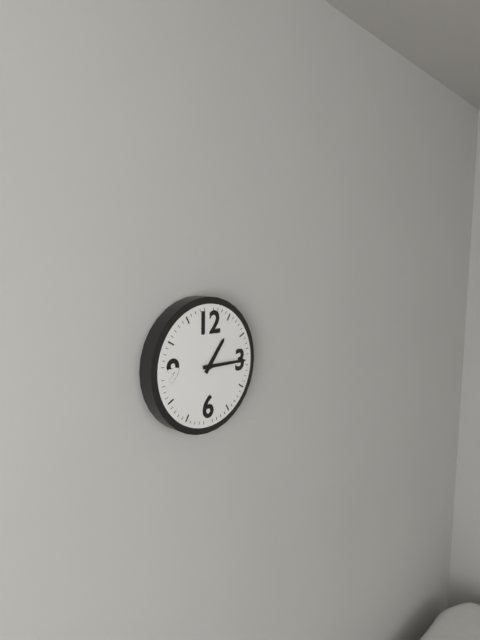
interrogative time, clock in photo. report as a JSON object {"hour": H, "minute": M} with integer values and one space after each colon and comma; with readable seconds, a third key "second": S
{"hour": 1, "minute": 15}
